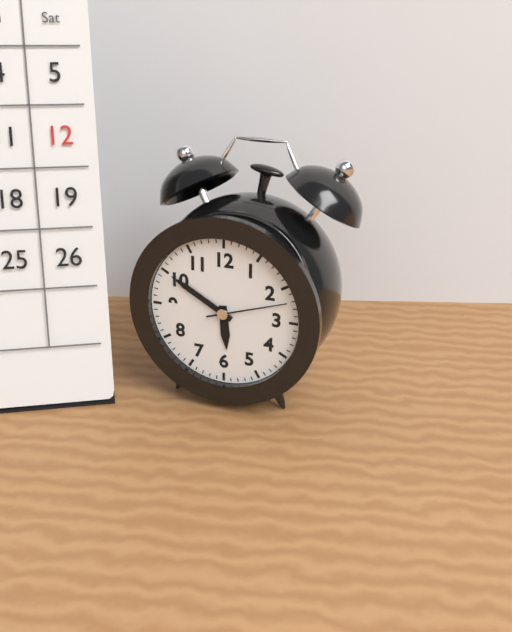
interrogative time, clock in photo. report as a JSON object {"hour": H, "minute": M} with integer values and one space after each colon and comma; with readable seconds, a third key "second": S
{"hour": 5, "minute": 50, "second": 12}
